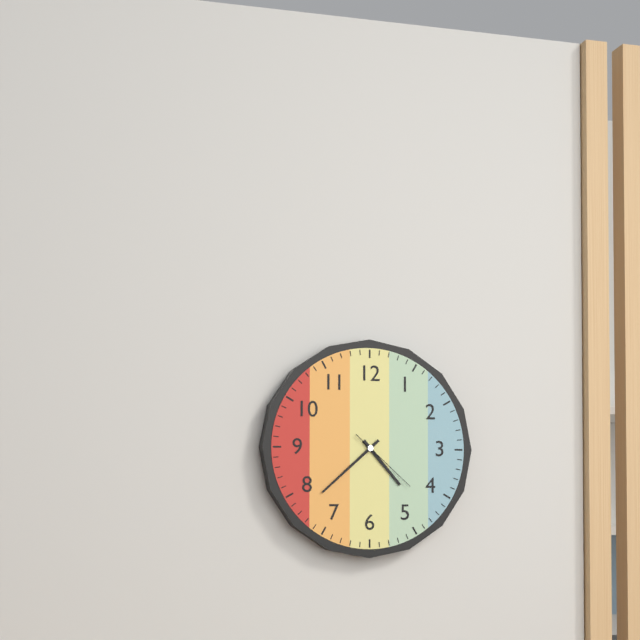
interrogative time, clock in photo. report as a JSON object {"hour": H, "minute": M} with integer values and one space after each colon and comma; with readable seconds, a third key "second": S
{"hour": 4, "minute": 38, "second": 22}
